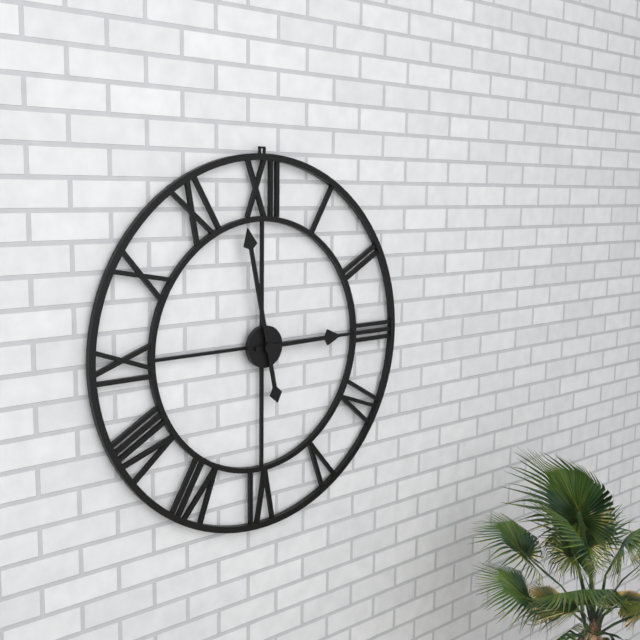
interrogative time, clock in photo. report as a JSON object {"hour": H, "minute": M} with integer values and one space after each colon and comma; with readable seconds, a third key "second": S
{"hour": 2, "minute": 58}
